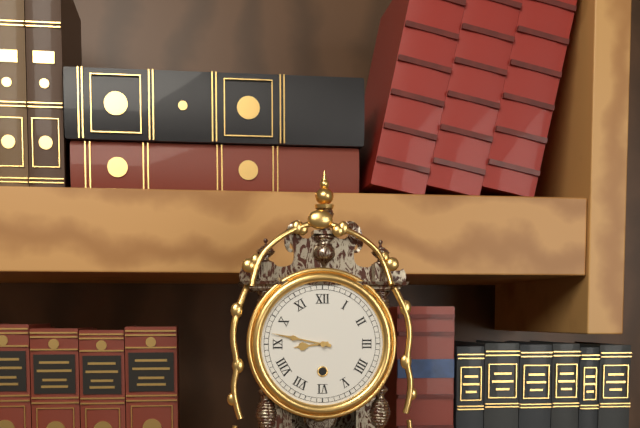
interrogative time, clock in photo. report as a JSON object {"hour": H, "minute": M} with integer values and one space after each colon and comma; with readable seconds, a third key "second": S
{"hour": 8, "minute": 47}
